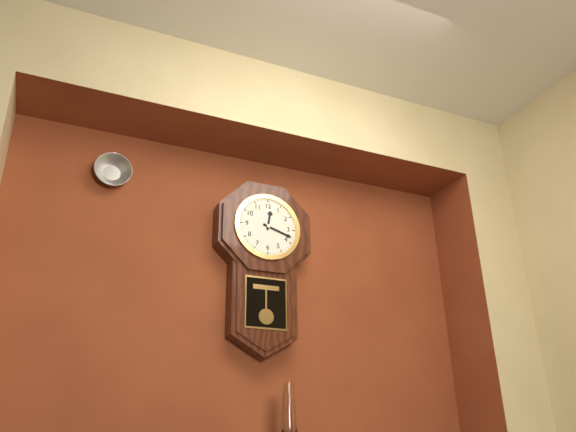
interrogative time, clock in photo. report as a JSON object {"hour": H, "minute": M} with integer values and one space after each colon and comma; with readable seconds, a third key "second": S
{"hour": 12, "minute": 18}
